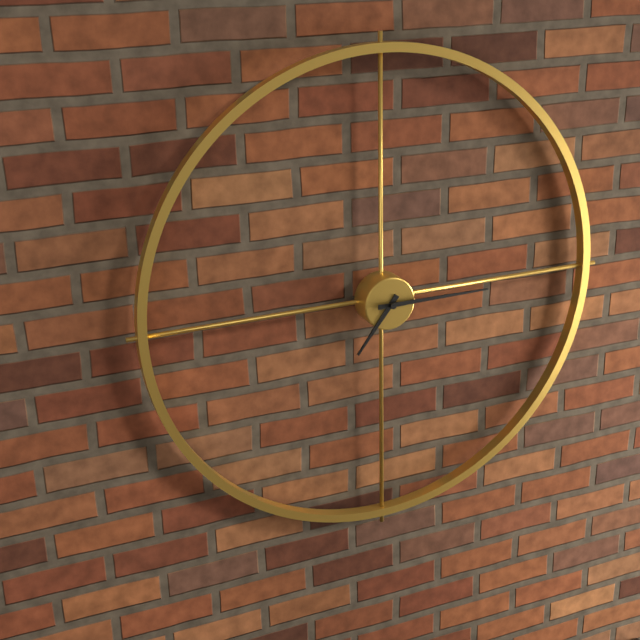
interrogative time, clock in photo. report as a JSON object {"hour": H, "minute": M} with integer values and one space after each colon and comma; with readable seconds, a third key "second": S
{"hour": 7, "minute": 15}
